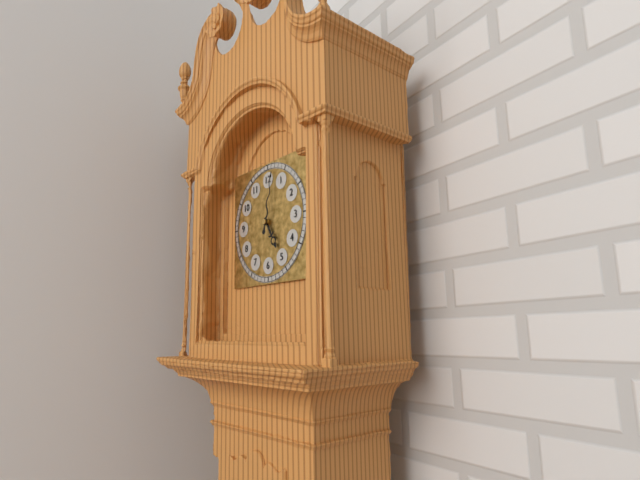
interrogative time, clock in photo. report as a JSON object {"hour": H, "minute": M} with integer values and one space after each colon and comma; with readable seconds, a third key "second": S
{"hour": 5, "minute": 2}
